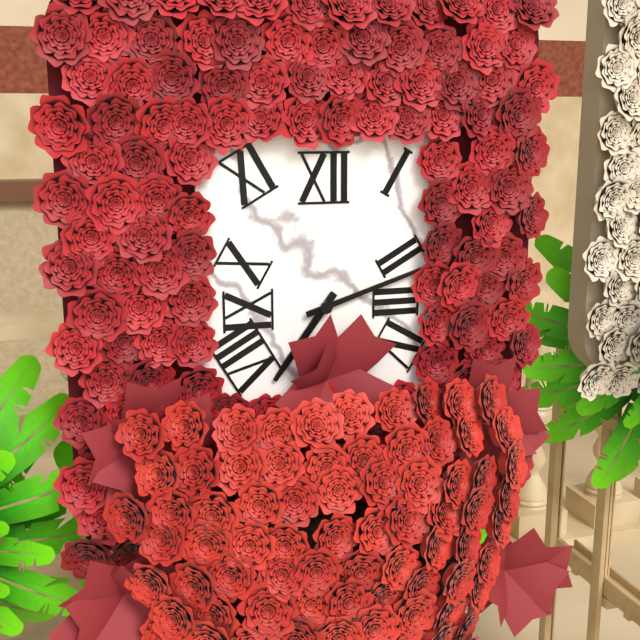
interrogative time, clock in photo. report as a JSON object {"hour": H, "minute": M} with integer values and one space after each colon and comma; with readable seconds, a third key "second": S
{"hour": 7, "minute": 12}
